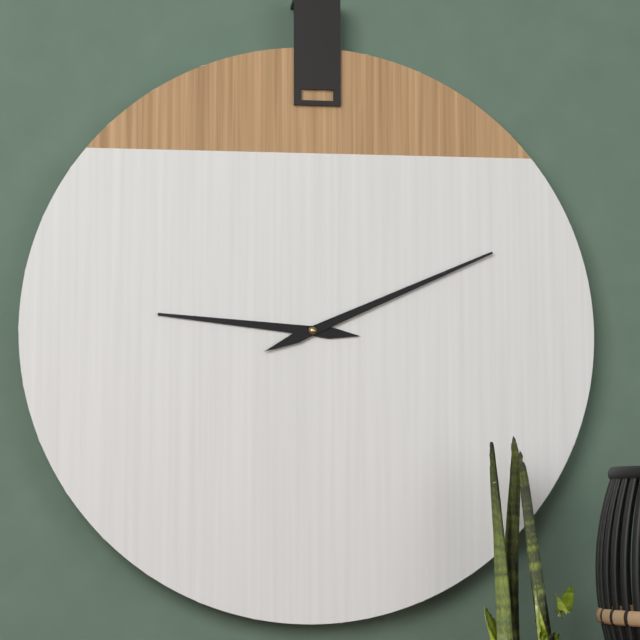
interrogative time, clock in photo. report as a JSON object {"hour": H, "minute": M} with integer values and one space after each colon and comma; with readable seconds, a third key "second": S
{"hour": 9, "minute": 11}
